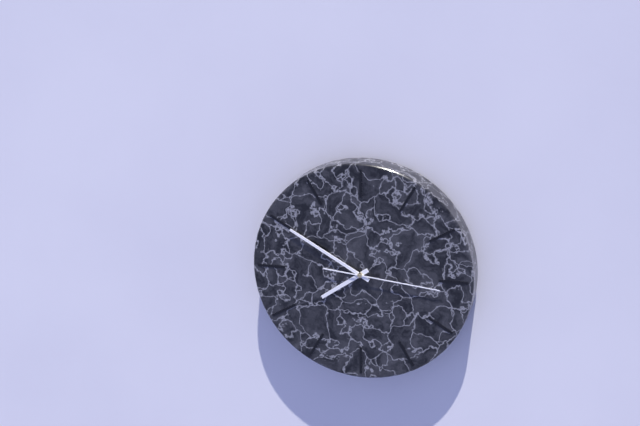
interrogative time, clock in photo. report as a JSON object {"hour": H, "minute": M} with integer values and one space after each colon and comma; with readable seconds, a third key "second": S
{"hour": 7, "minute": 50, "second": 16}
